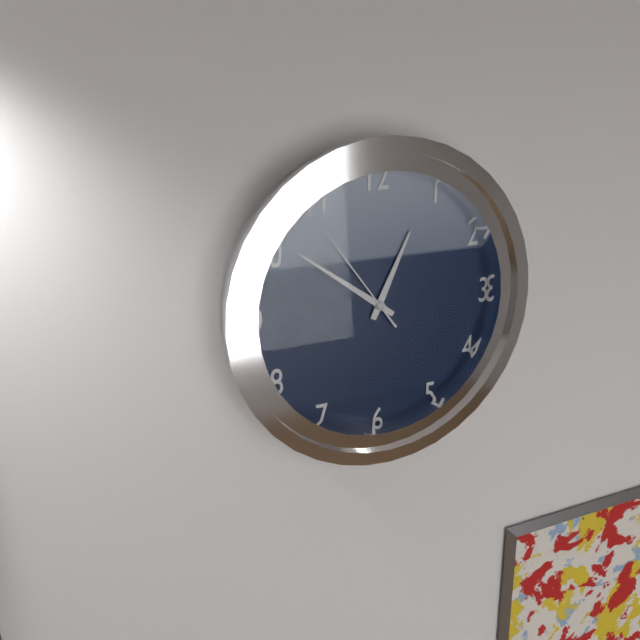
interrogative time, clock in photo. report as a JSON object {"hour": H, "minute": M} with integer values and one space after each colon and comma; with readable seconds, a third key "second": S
{"hour": 12, "minute": 51, "second": 54}
